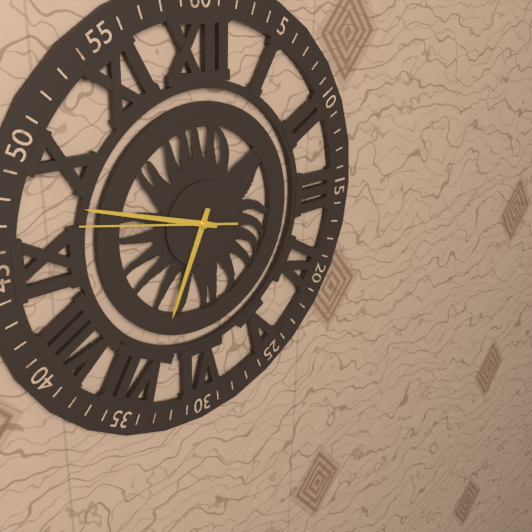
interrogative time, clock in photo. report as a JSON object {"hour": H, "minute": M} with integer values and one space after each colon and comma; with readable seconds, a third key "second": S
{"hour": 6, "minute": 48, "second": 47}
